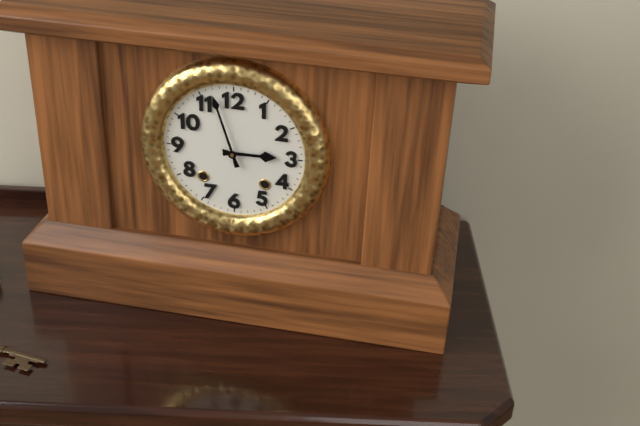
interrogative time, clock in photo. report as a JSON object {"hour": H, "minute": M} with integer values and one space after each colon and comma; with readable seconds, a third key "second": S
{"hour": 2, "minute": 57}
